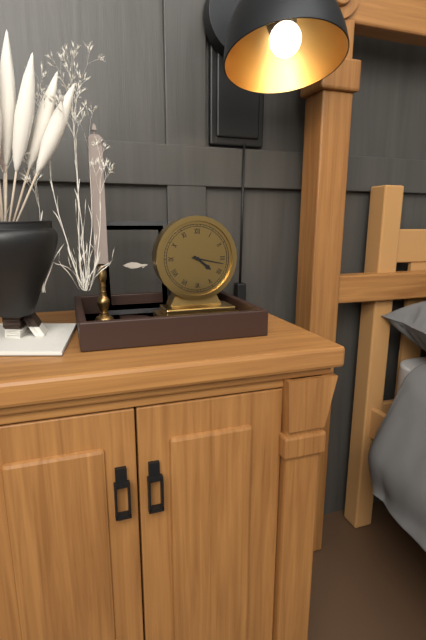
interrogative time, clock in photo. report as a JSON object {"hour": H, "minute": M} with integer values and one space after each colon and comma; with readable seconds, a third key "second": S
{"hour": 4, "minute": 17}
